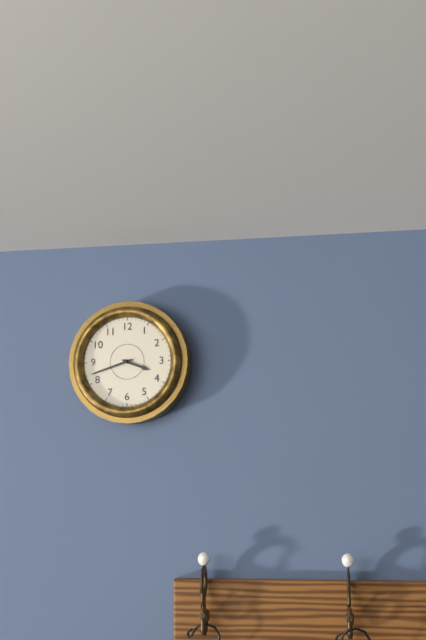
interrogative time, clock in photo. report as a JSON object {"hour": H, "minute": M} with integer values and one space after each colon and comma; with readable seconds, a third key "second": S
{"hour": 3, "minute": 42}
